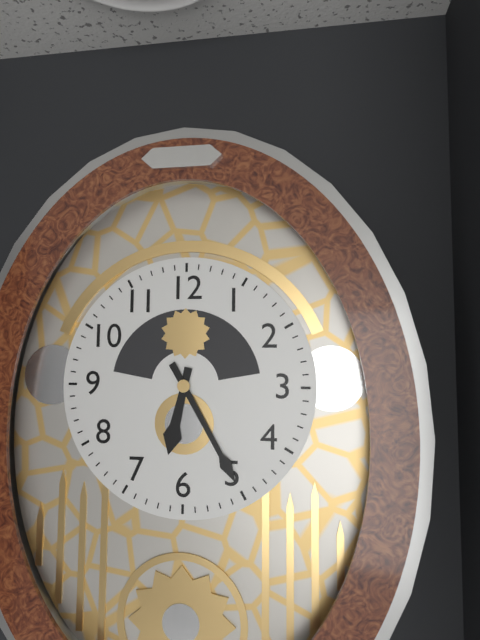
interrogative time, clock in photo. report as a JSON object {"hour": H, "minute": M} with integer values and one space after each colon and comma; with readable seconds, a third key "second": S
{"hour": 6, "minute": 25}
